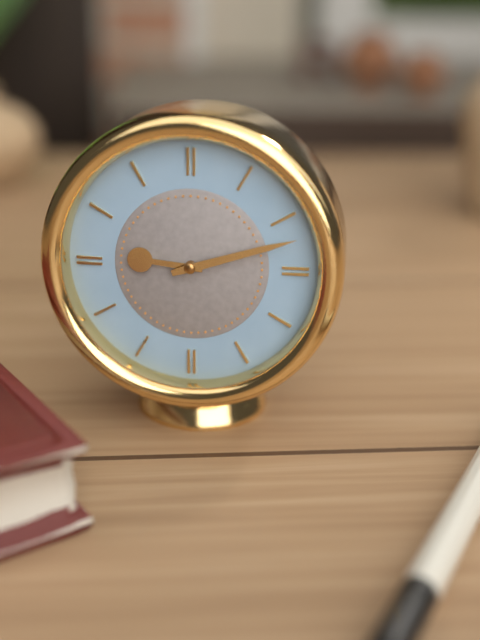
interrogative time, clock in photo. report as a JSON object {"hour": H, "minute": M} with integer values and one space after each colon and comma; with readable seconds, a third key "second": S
{"hour": 9, "minute": 12}
